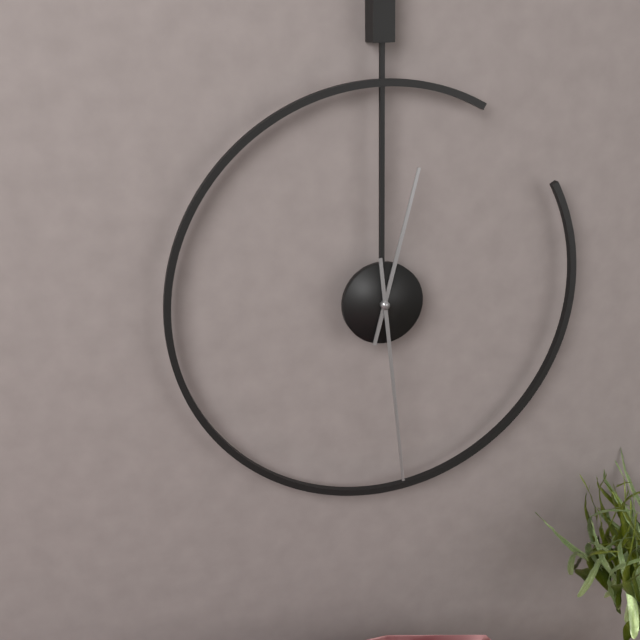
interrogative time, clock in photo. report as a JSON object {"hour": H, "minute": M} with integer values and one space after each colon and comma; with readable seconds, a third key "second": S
{"hour": 12, "minute": 29}
